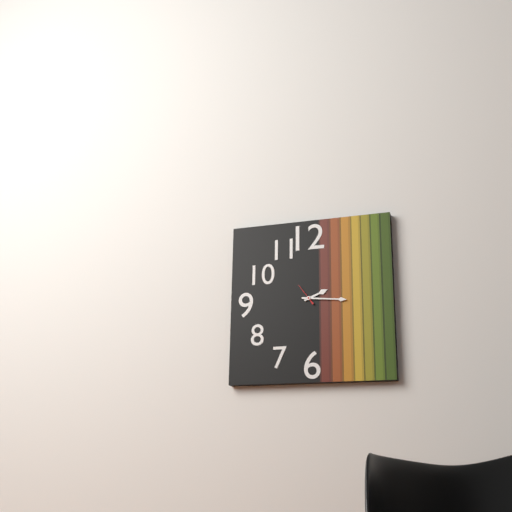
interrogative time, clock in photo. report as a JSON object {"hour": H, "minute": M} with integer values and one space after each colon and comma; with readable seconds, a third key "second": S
{"hour": 2, "minute": 16}
